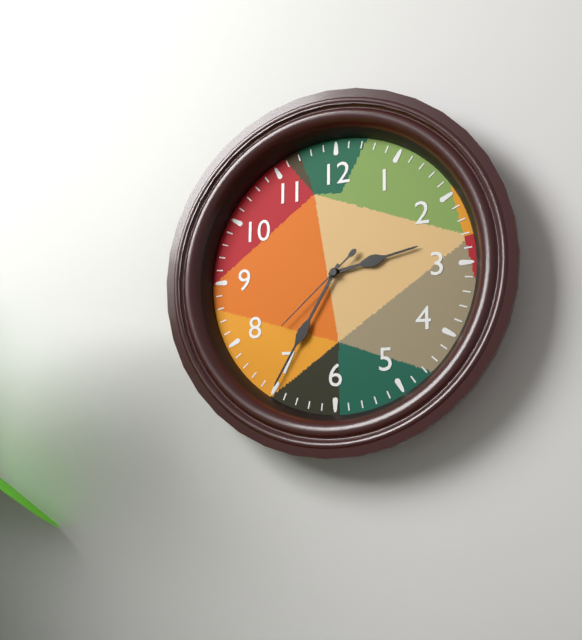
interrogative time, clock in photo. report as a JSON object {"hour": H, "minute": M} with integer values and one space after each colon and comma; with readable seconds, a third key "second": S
{"hour": 2, "minute": 35, "second": 38}
